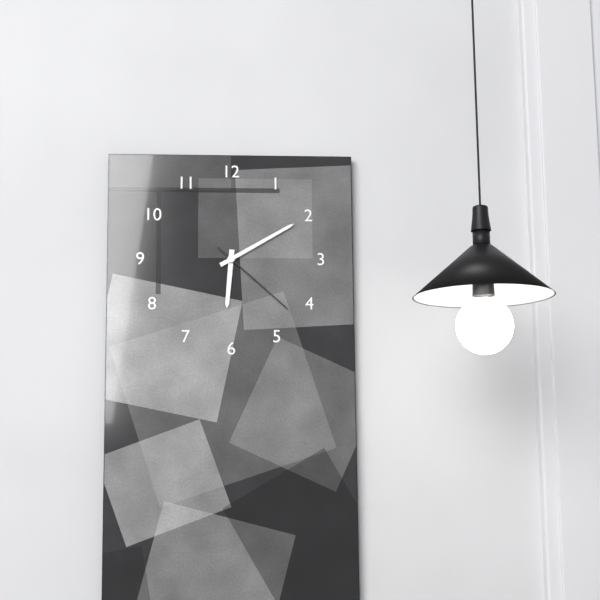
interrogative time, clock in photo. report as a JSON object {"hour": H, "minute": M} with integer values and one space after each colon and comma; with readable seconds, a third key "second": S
{"hour": 6, "minute": 10, "second": 22}
